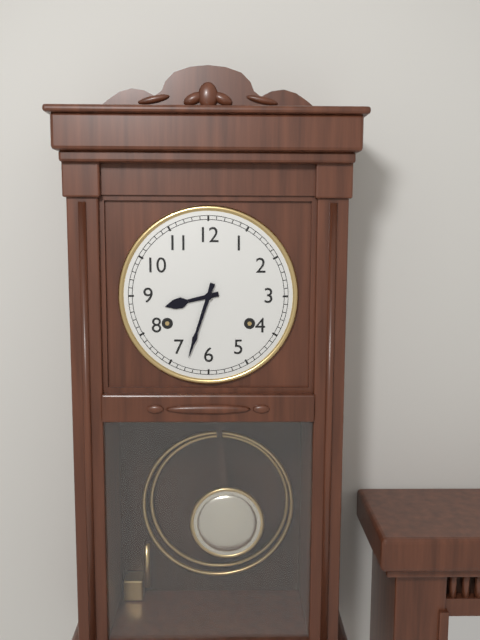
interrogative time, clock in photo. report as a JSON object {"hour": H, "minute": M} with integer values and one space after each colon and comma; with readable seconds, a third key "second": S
{"hour": 8, "minute": 33}
